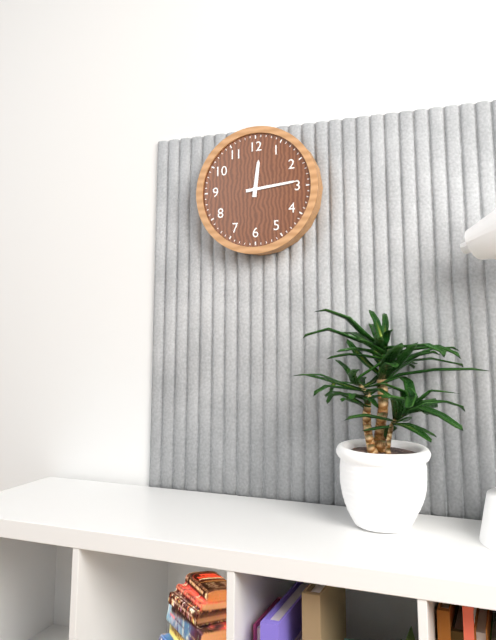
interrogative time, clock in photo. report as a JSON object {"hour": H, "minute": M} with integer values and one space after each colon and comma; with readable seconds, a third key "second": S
{"hour": 12, "minute": 14}
